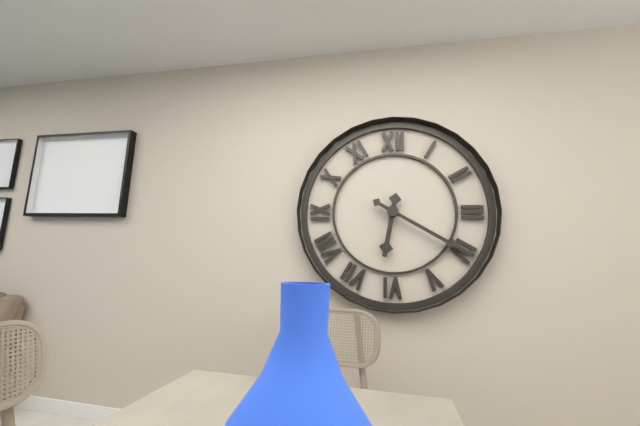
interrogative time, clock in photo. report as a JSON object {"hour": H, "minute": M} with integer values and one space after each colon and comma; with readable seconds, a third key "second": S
{"hour": 6, "minute": 20}
